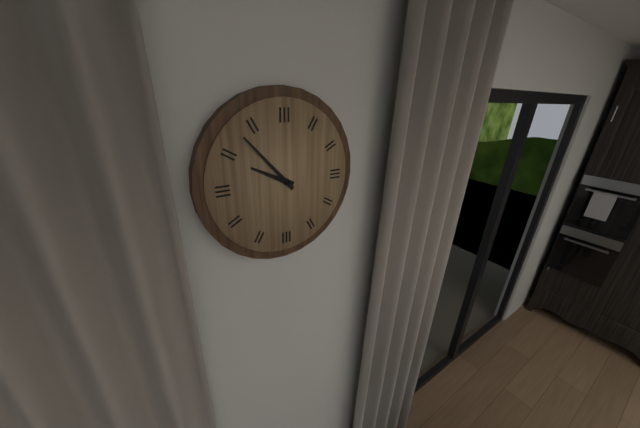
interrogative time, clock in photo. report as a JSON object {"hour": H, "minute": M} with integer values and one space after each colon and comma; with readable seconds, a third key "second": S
{"hour": 9, "minute": 53}
